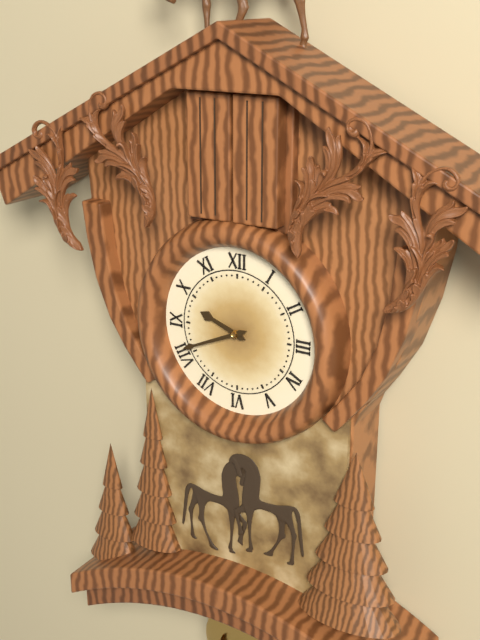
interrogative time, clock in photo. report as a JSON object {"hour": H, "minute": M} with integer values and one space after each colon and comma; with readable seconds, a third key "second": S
{"hour": 9, "minute": 41}
